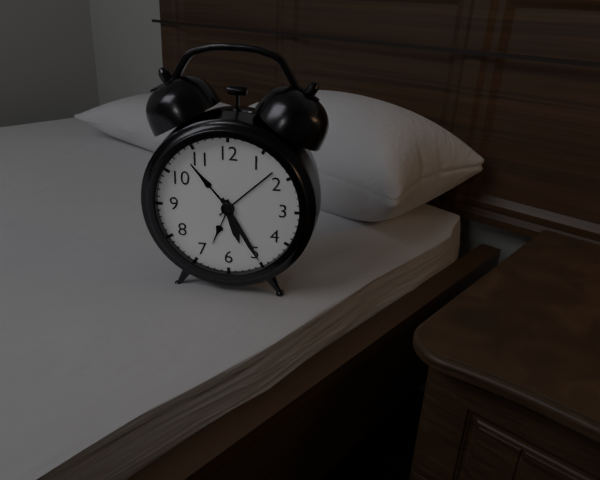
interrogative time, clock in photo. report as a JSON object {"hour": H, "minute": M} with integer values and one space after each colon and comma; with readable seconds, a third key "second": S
{"hour": 5, "minute": 25}
